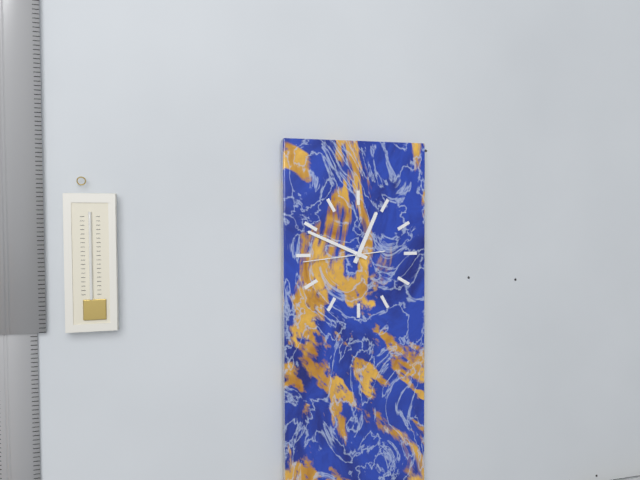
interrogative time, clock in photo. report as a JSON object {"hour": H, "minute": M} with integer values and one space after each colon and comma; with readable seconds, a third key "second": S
{"hour": 12, "minute": 49, "second": 44}
